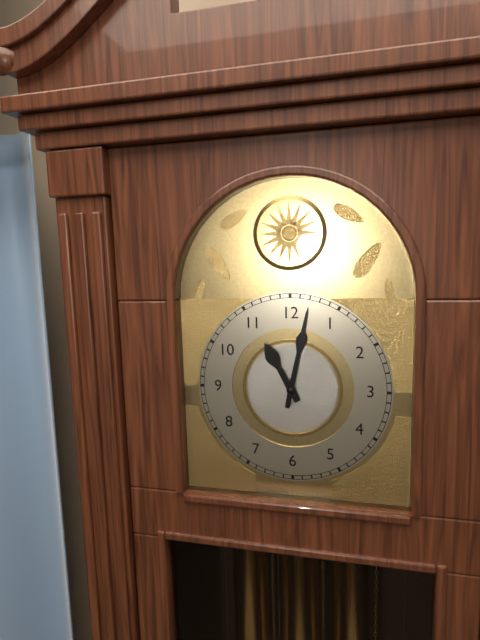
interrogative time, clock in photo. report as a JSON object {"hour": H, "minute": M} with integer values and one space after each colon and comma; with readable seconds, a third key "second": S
{"hour": 11, "minute": 2}
